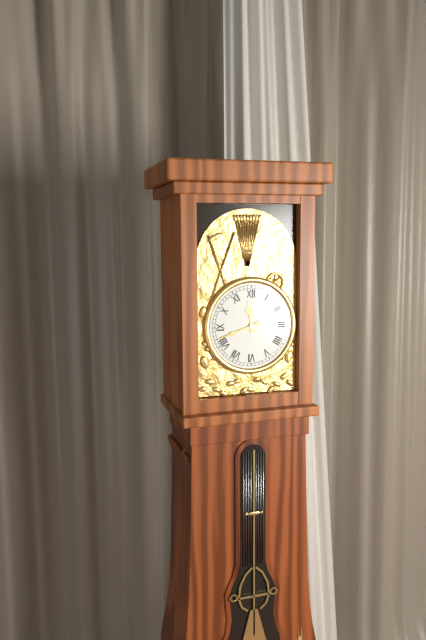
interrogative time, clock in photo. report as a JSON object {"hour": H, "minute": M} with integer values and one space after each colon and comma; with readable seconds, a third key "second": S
{"hour": 11, "minute": 42}
